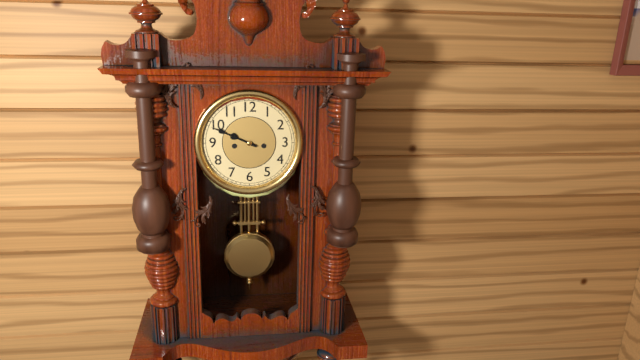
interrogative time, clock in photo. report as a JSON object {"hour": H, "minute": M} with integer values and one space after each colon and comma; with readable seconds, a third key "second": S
{"hour": 9, "minute": 49}
